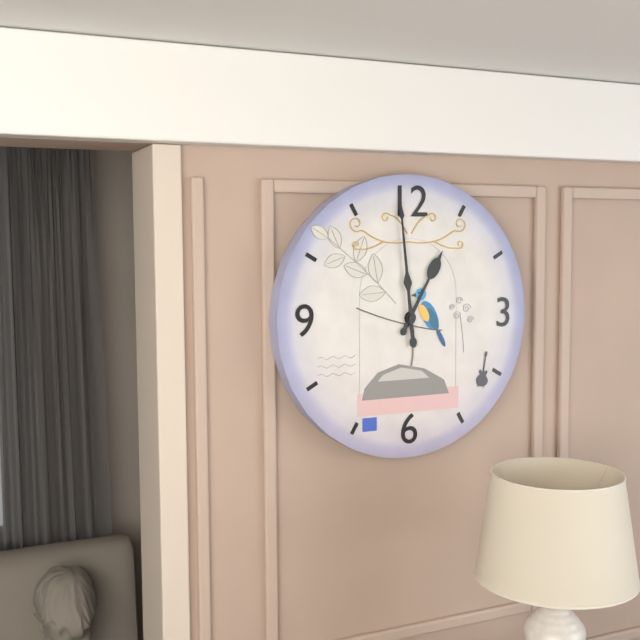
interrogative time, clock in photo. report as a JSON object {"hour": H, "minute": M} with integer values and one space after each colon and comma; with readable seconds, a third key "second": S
{"hour": 12, "minute": 59}
